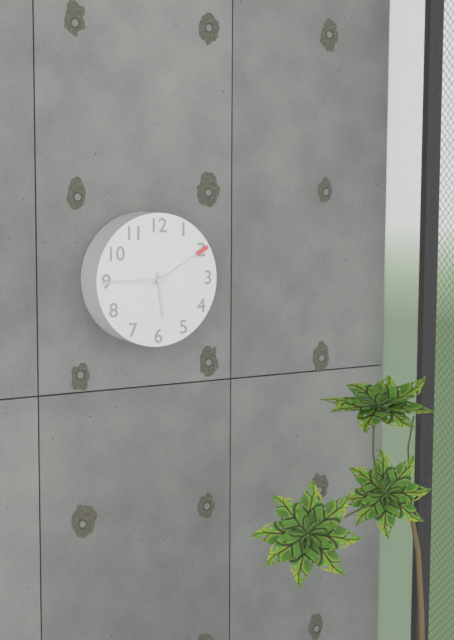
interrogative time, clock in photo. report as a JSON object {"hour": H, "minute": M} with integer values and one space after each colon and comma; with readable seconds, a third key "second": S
{"hour": 5, "minute": 45, "second": 10}
